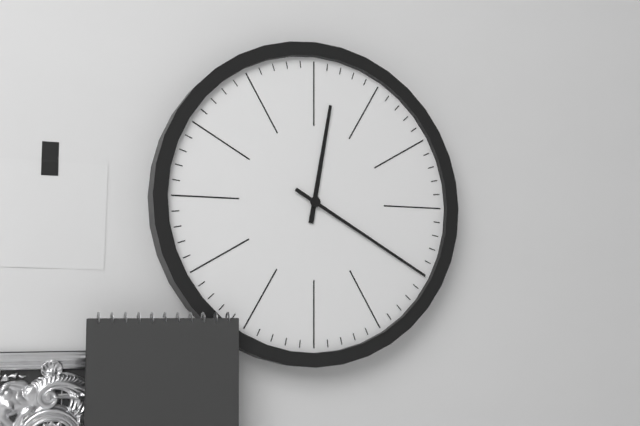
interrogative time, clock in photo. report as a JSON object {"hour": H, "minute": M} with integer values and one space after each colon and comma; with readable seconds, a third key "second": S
{"hour": 12, "minute": 20}
